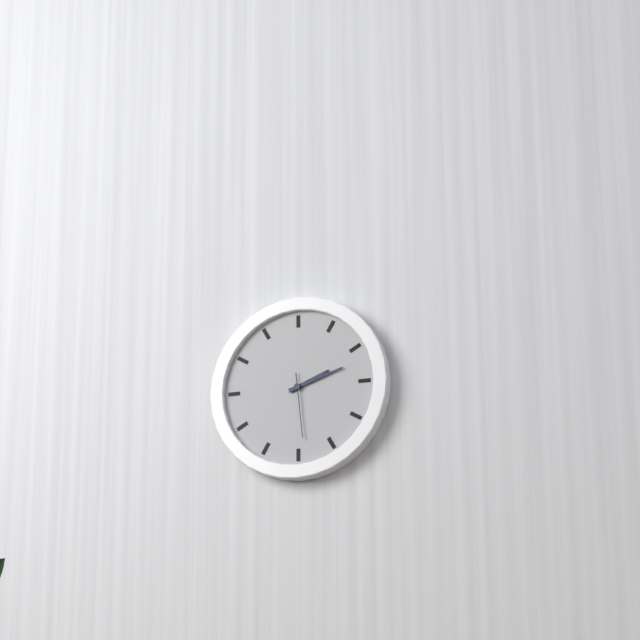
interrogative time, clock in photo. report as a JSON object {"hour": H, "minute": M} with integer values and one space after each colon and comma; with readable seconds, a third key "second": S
{"hour": 2, "minute": 12, "second": 29}
